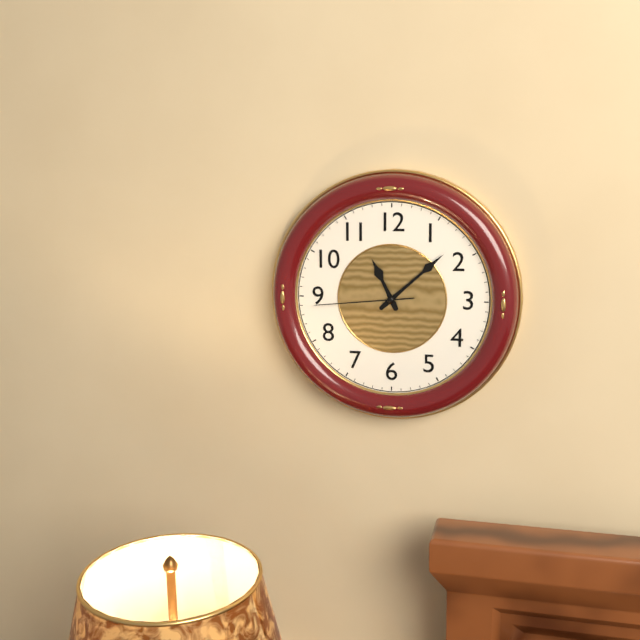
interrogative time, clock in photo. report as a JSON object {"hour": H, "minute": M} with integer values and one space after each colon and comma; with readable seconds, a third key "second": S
{"hour": 11, "minute": 8, "second": 44}
